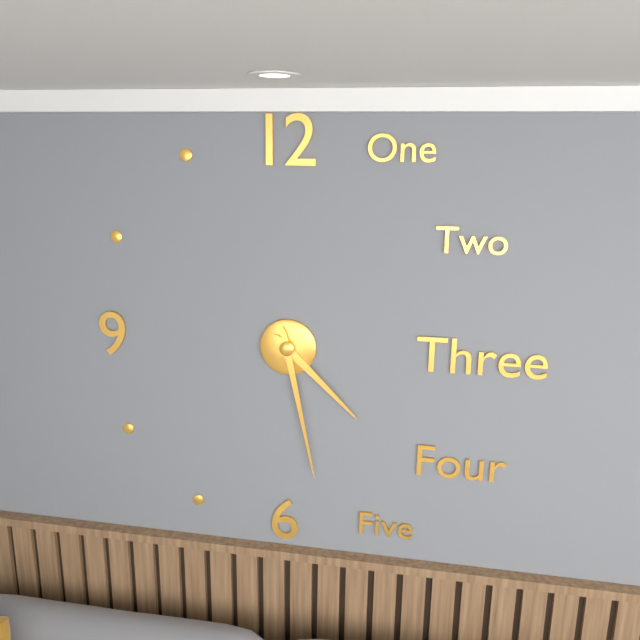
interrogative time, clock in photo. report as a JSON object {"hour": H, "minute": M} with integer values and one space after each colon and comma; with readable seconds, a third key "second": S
{"hour": 4, "minute": 28}
